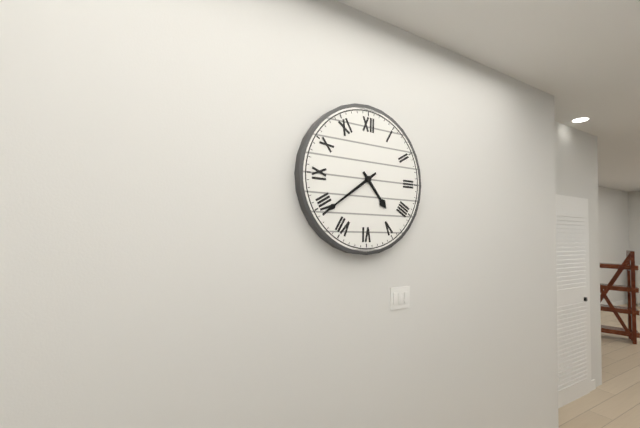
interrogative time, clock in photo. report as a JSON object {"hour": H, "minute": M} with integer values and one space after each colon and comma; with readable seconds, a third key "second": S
{"hour": 4, "minute": 39}
